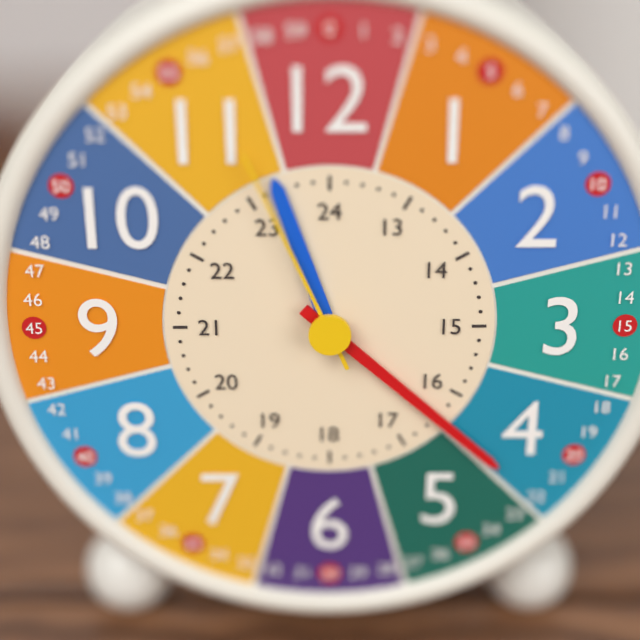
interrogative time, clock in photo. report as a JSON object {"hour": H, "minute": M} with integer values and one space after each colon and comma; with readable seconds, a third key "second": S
{"hour": 11, "minute": 22, "second": 56}
